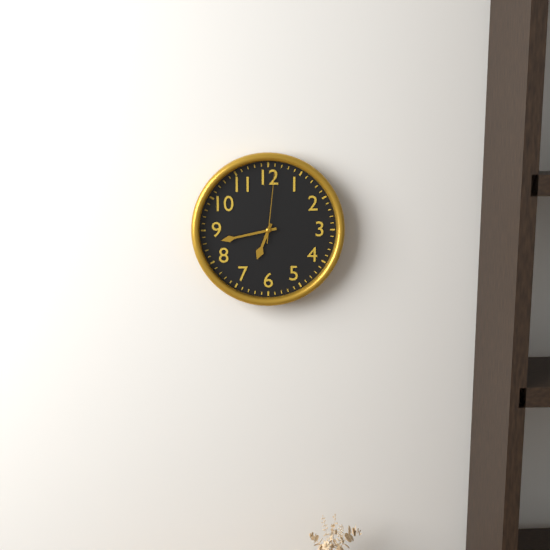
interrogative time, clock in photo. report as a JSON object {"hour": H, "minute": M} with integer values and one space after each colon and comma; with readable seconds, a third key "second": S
{"hour": 6, "minute": 43, "second": 1}
